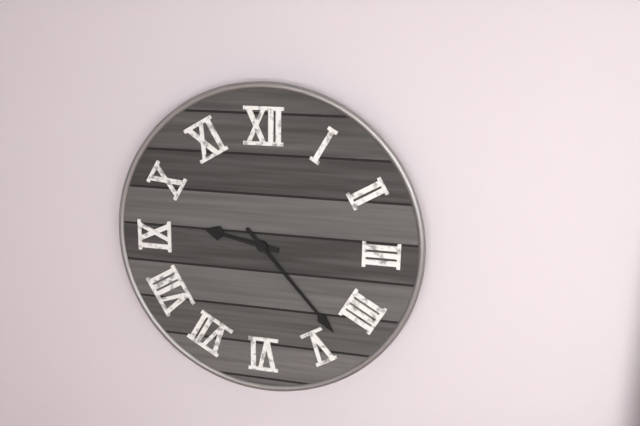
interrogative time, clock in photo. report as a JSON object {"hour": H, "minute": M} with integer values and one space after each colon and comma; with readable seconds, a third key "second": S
{"hour": 9, "minute": 23}
